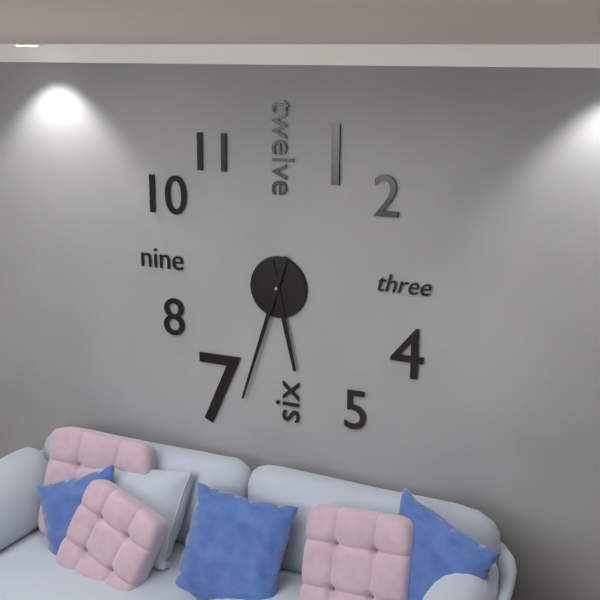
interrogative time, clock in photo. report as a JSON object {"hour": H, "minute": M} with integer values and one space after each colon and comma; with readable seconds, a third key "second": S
{"hour": 5, "minute": 33}
